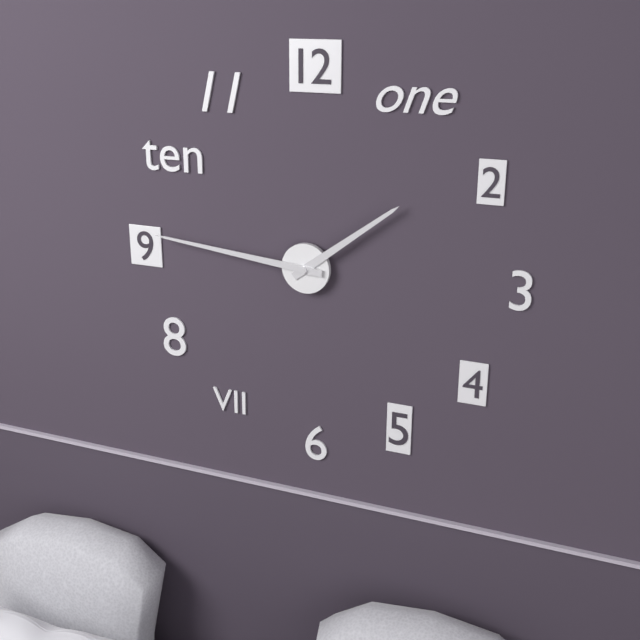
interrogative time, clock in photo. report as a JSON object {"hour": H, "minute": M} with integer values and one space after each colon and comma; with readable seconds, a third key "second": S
{"hour": 1, "minute": 46}
